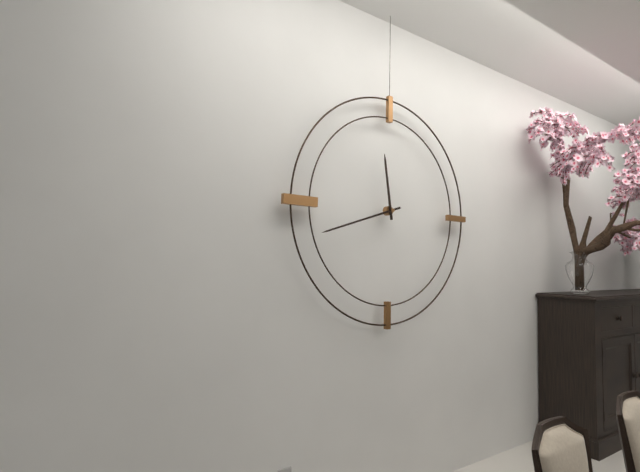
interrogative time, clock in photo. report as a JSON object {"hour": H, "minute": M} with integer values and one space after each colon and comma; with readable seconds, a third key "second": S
{"hour": 11, "minute": 42}
